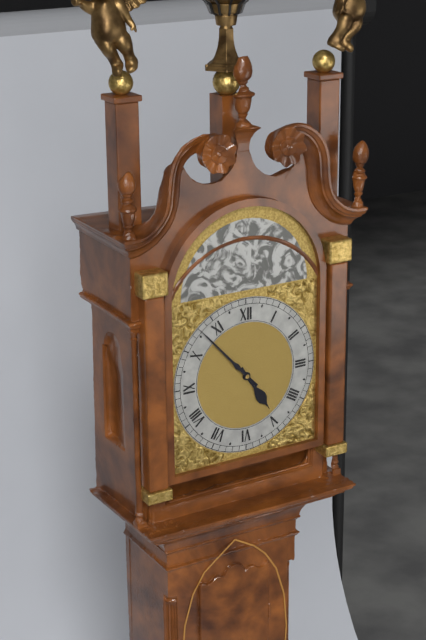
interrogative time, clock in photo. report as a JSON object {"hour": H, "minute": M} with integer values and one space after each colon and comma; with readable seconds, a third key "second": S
{"hour": 4, "minute": 53}
